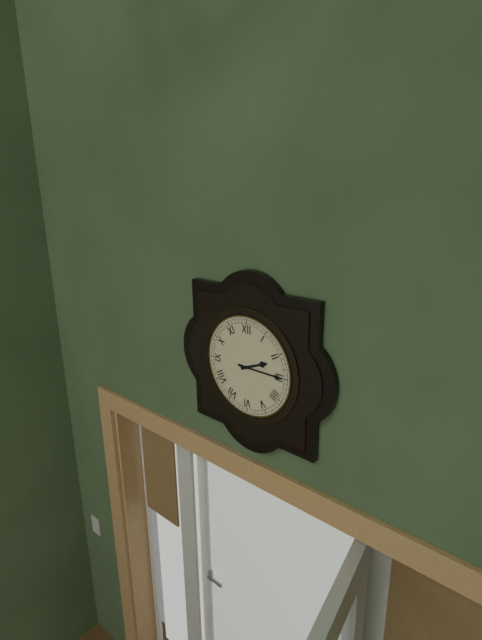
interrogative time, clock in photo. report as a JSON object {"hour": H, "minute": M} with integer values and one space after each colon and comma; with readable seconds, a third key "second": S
{"hour": 2, "minute": 15}
